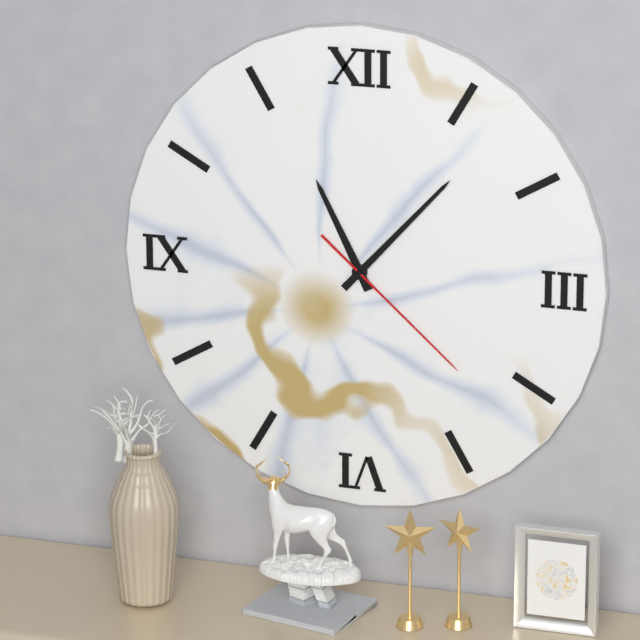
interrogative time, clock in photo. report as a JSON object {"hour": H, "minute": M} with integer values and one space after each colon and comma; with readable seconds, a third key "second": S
{"hour": 11, "minute": 7, "second": 22}
